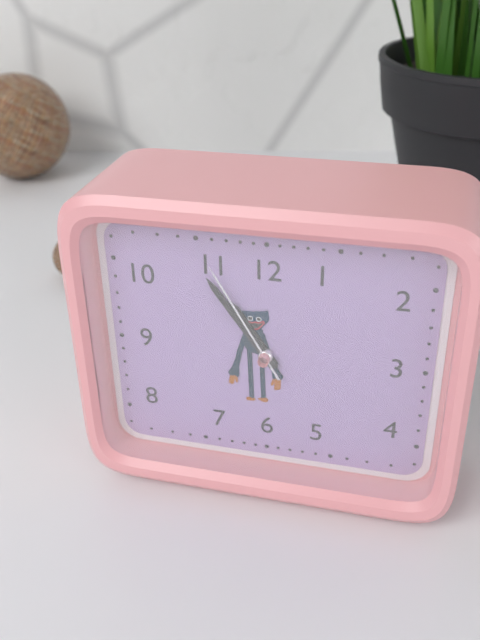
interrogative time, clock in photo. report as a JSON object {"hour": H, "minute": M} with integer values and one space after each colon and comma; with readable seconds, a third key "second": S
{"hour": 10, "minute": 54, "second": 55}
